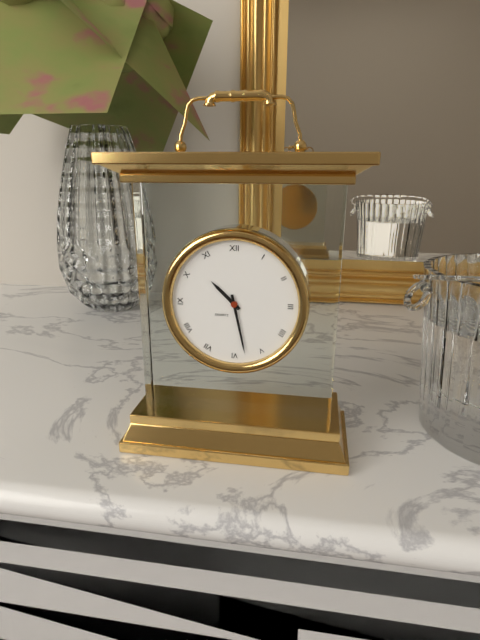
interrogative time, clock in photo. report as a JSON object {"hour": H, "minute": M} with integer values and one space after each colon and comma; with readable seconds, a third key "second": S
{"hour": 10, "minute": 28}
